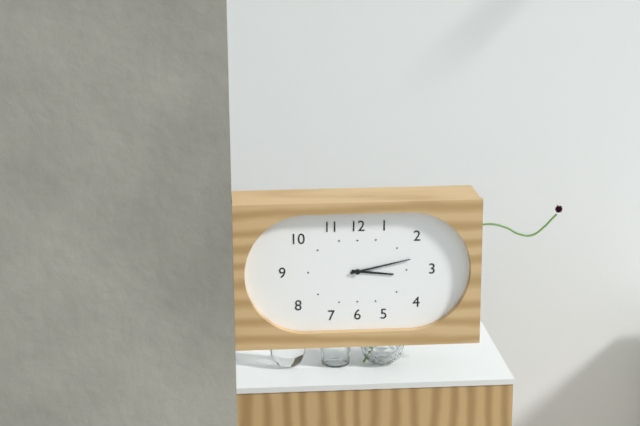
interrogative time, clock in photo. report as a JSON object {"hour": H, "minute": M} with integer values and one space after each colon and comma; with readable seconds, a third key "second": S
{"hour": 3, "minute": 13}
